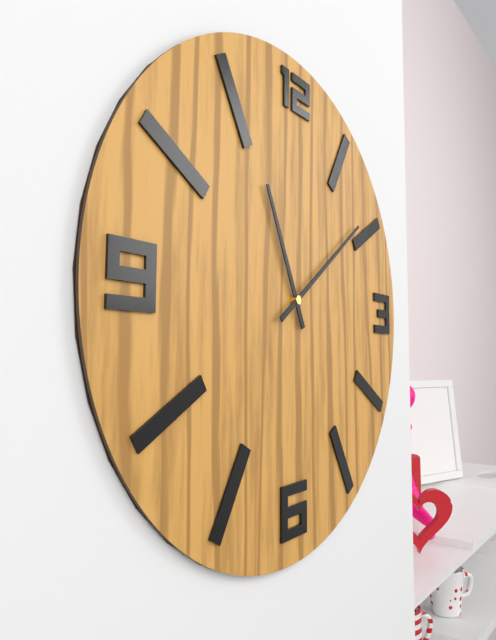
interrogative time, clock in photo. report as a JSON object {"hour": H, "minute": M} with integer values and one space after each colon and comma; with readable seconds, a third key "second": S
{"hour": 11, "minute": 9}
